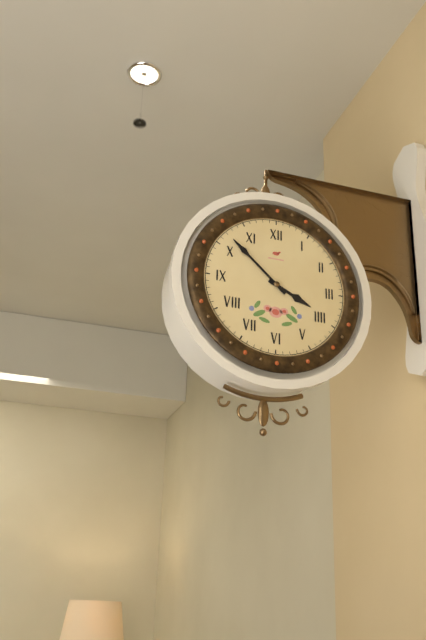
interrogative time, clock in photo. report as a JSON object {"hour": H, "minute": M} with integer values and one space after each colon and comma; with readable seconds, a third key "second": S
{"hour": 3, "minute": 52}
